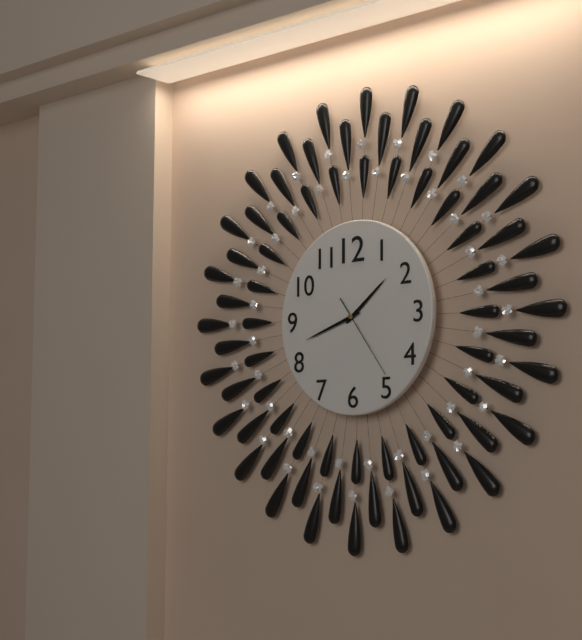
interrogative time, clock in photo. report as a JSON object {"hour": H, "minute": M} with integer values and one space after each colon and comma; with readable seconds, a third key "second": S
{"hour": 1, "minute": 42, "second": 24}
